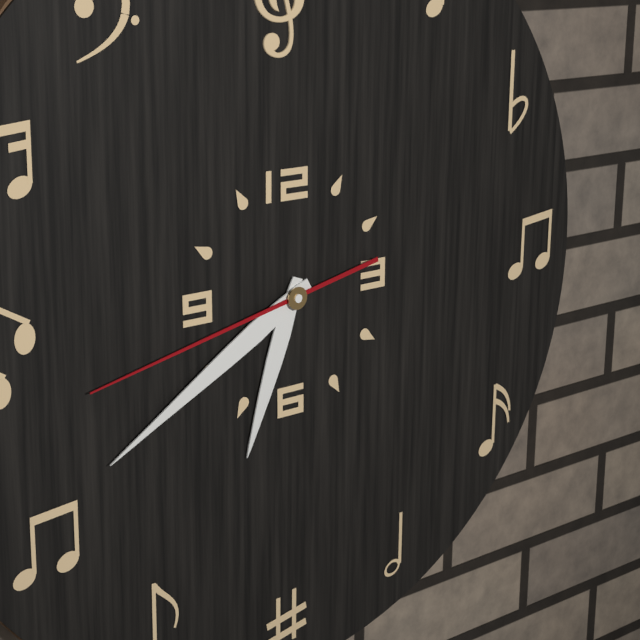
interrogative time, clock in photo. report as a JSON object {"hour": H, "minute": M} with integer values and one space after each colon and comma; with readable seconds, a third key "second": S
{"hour": 6, "minute": 40, "second": 43}
